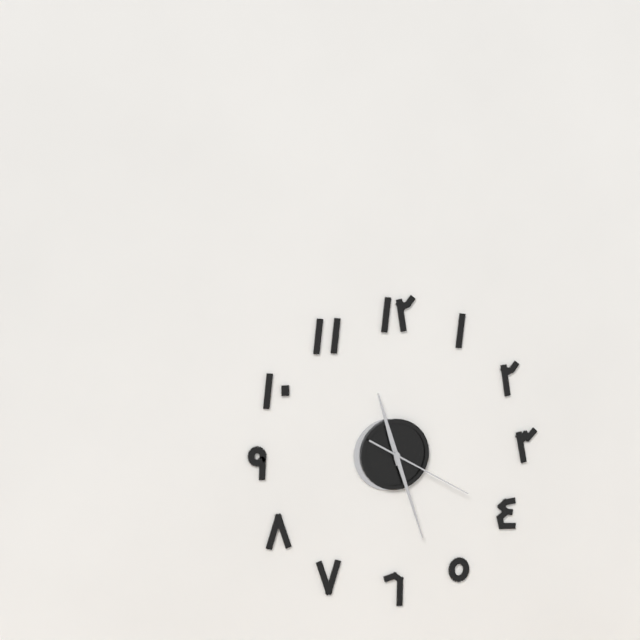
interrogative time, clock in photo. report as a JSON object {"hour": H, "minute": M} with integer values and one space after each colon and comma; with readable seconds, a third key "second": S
{"hour": 11, "minute": 27, "second": 20}
